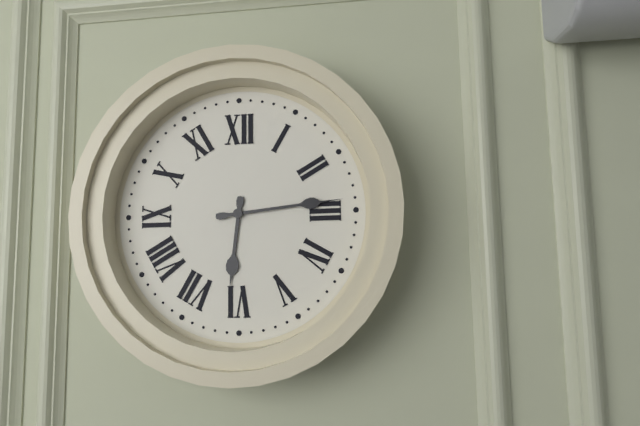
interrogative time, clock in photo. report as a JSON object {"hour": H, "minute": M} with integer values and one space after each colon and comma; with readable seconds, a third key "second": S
{"hour": 6, "minute": 14}
